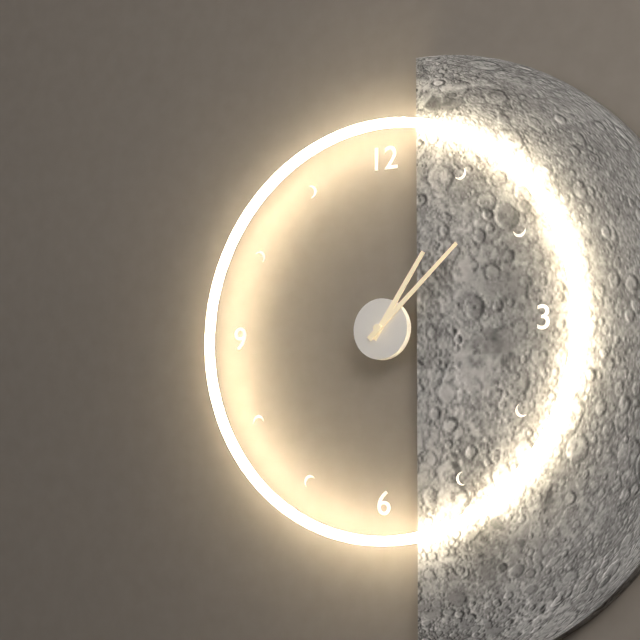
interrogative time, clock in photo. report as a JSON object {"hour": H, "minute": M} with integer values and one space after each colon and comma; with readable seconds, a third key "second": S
{"hour": 1, "minute": 8}
